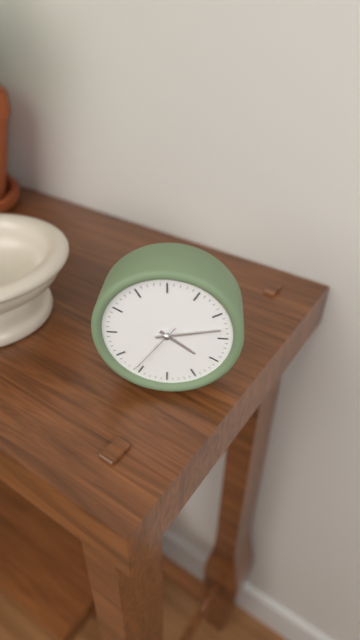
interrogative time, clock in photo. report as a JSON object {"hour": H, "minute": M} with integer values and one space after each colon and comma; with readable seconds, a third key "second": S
{"hour": 4, "minute": 13, "second": 36}
